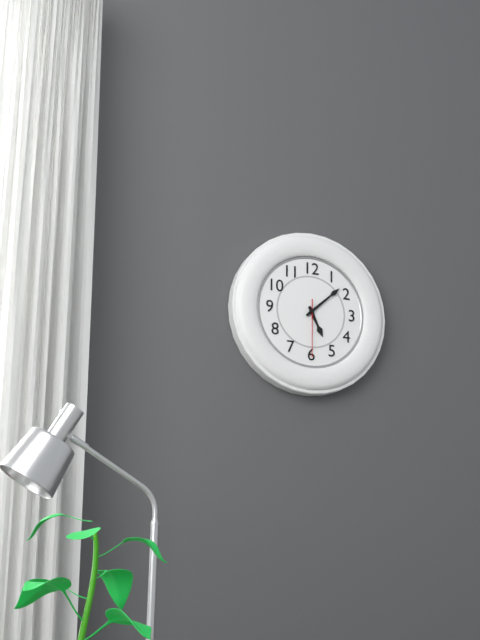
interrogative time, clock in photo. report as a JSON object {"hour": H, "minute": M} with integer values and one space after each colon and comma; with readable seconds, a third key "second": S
{"hour": 5, "minute": 8, "second": 30}
